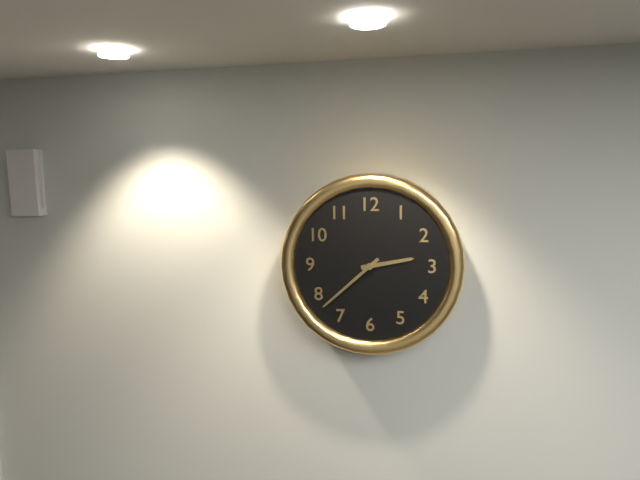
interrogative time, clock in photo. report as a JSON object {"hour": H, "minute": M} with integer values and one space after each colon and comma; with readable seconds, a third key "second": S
{"hour": 2, "minute": 38}
